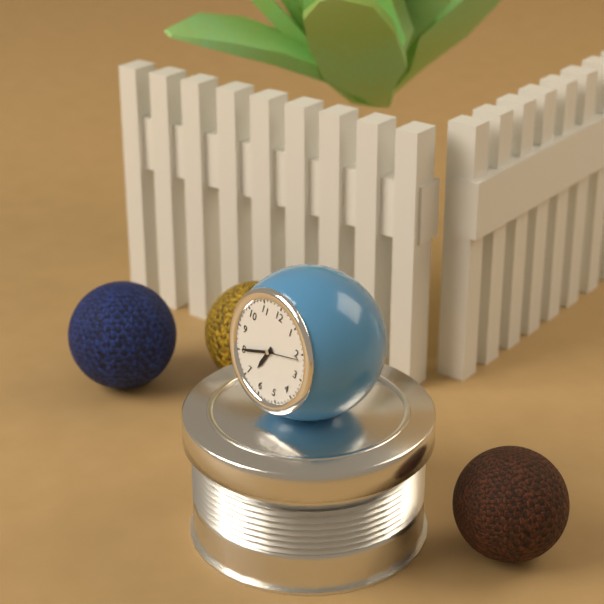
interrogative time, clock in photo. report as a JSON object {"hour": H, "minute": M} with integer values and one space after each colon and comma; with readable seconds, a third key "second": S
{"hour": 6, "minute": 40}
